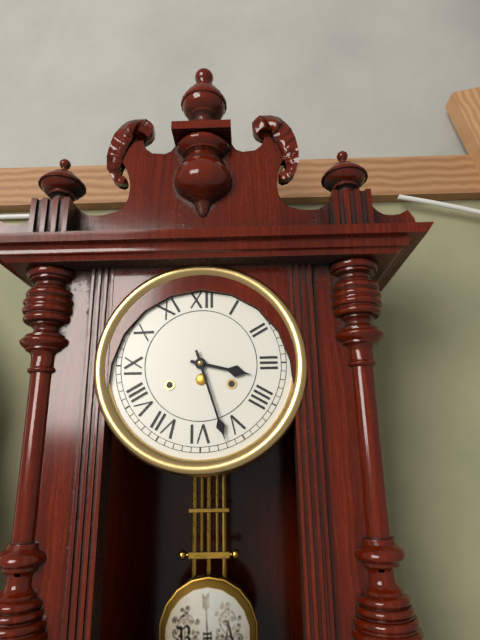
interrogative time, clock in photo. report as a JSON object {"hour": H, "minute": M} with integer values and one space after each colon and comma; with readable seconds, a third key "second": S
{"hour": 3, "minute": 27}
